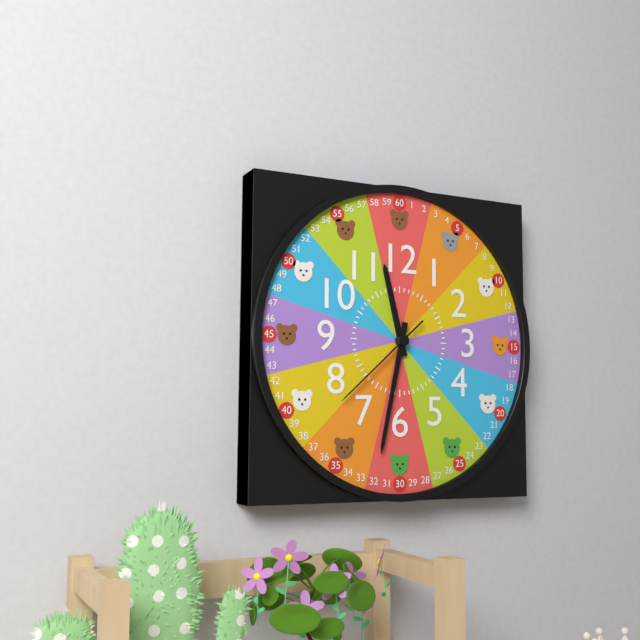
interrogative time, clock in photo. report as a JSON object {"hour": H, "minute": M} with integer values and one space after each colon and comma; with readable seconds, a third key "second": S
{"hour": 11, "minute": 32, "second": 38}
